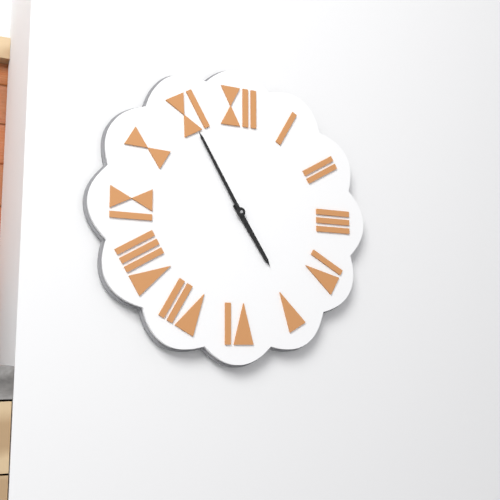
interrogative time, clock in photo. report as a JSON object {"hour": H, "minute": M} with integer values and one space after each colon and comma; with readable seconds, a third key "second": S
{"hour": 4, "minute": 55}
